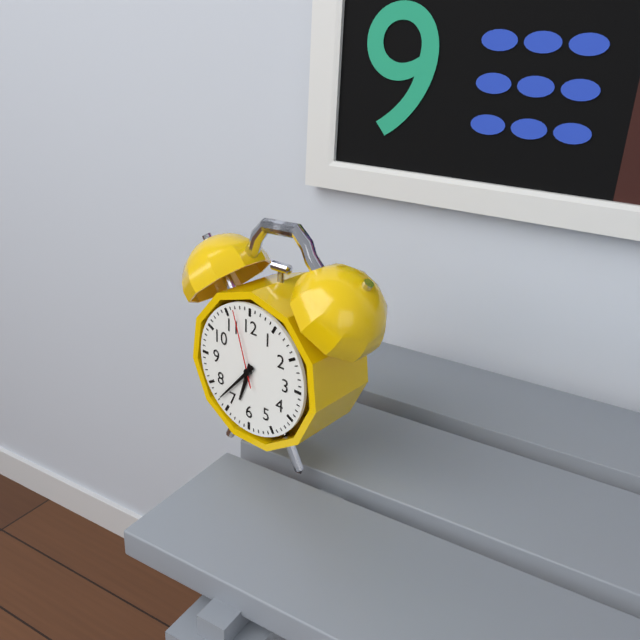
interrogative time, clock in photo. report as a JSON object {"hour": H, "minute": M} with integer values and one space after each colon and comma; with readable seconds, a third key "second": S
{"hour": 6, "minute": 37, "second": 57}
